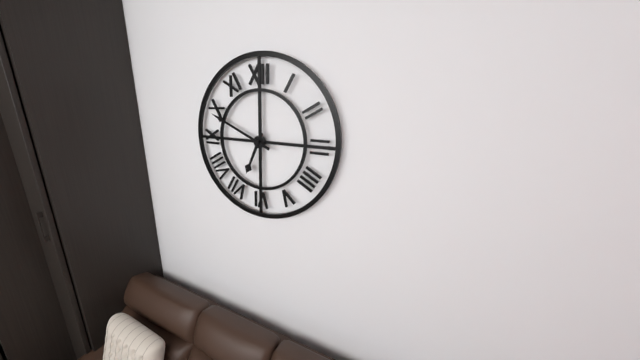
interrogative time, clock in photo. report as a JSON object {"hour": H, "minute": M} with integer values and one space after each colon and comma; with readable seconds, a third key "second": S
{"hour": 6, "minute": 49}
